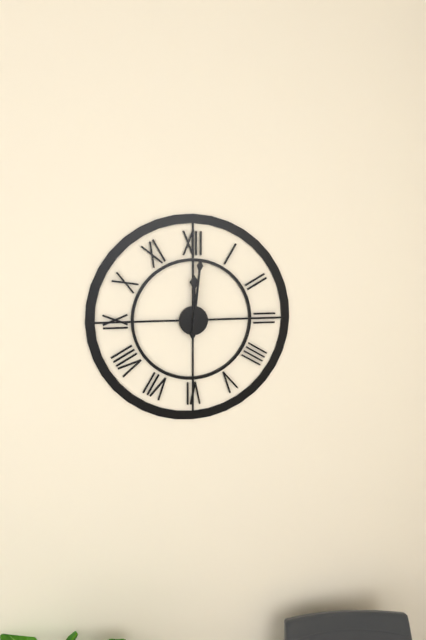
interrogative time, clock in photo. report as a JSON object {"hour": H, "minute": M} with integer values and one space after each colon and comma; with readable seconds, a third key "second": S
{"hour": 12, "minute": 1}
